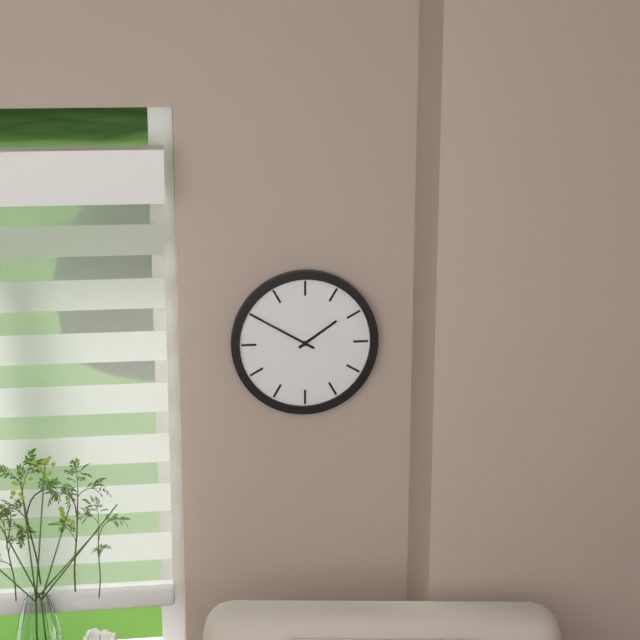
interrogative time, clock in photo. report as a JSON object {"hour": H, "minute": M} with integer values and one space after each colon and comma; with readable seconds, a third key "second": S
{"hour": 1, "minute": 50}
